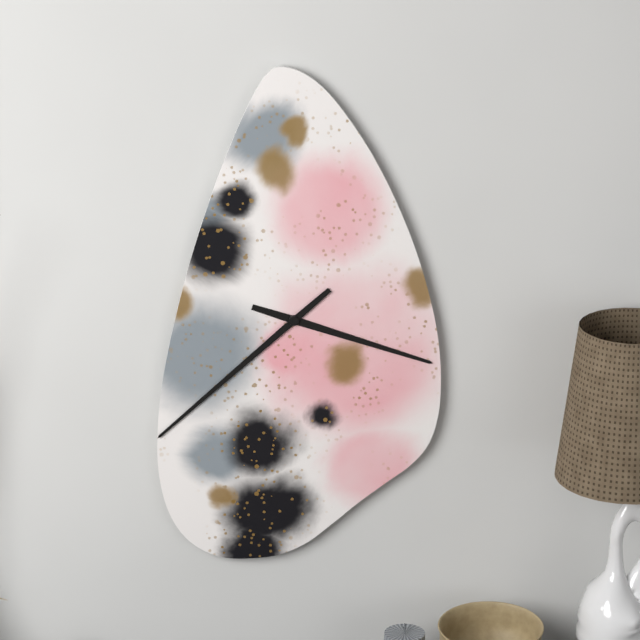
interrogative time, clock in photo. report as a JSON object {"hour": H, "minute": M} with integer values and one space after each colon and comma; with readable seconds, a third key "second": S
{"hour": 3, "minute": 38}
